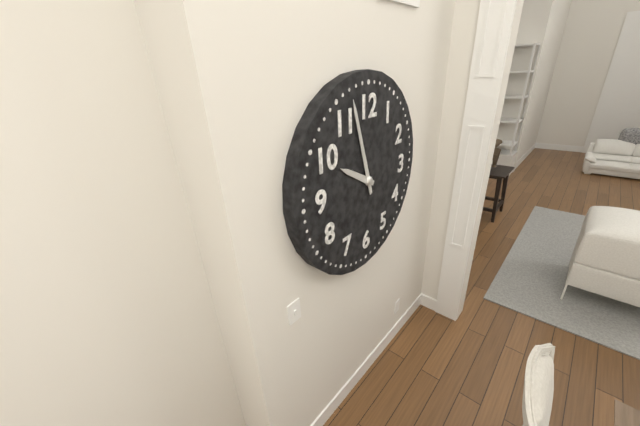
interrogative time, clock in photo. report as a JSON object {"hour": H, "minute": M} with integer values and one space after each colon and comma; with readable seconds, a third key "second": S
{"hour": 9, "minute": 57}
